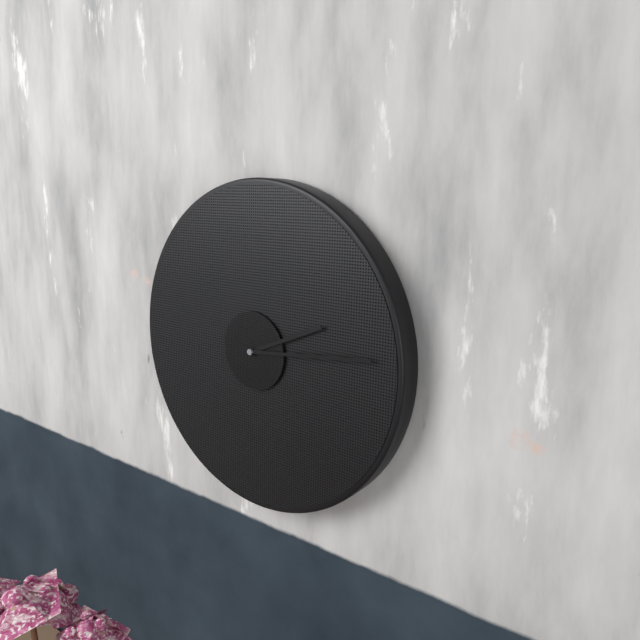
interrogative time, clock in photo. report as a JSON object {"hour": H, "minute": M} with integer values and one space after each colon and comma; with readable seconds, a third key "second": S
{"hour": 2, "minute": 14}
